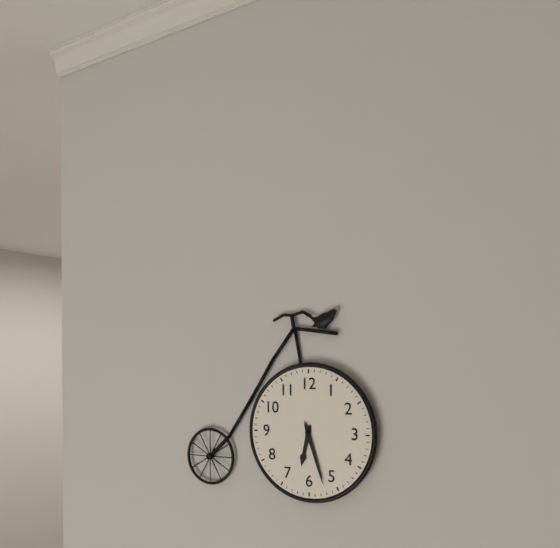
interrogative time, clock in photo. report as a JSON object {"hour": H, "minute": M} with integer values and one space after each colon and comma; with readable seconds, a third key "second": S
{"hour": 6, "minute": 27}
